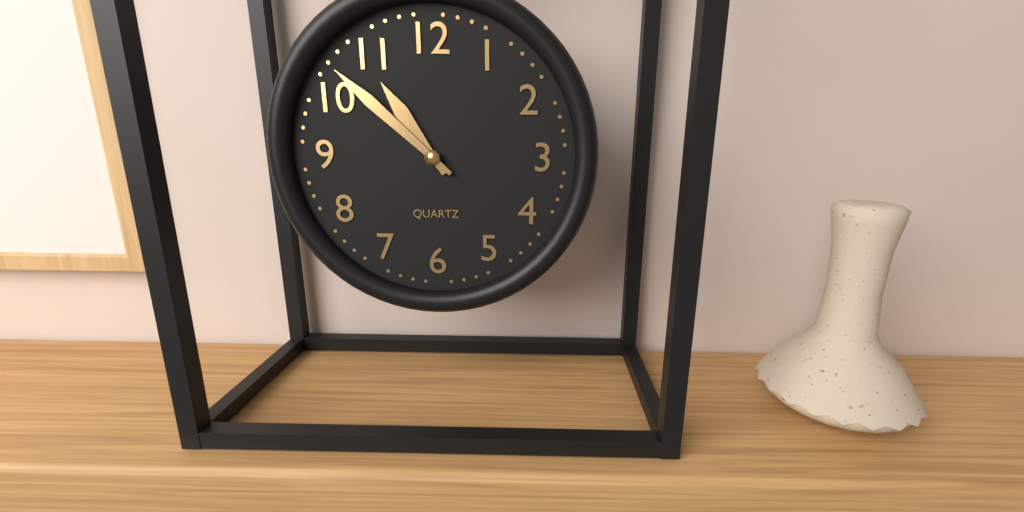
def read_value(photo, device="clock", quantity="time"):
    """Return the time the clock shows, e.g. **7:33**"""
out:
**10:52**
